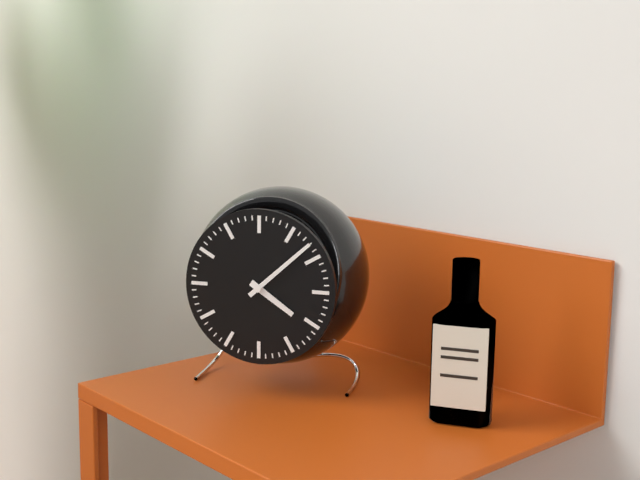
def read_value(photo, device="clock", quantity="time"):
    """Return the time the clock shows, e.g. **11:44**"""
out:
**4:08**
